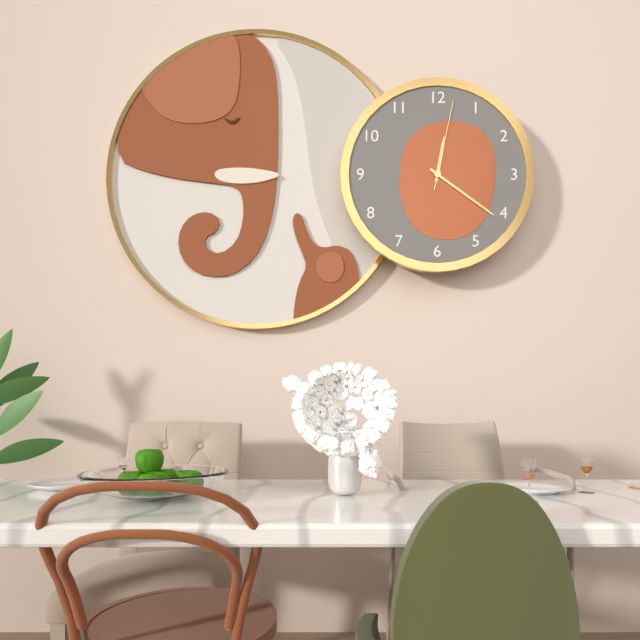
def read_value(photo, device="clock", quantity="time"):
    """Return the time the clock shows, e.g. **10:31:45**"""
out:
**12:21:02**
